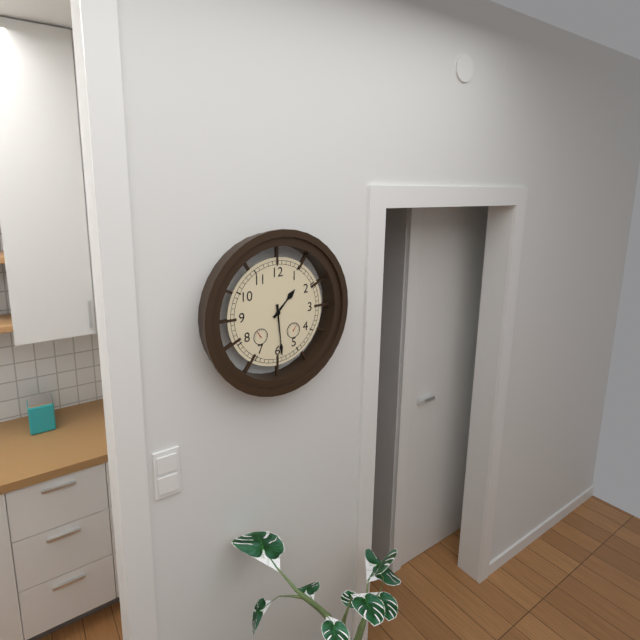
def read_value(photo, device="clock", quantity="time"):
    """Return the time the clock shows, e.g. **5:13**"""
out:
**1:29**
